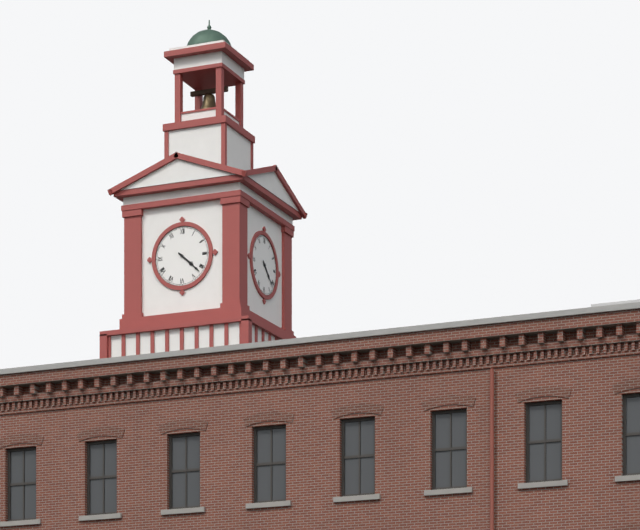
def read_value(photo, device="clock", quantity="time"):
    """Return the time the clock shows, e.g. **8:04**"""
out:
**4:22**
